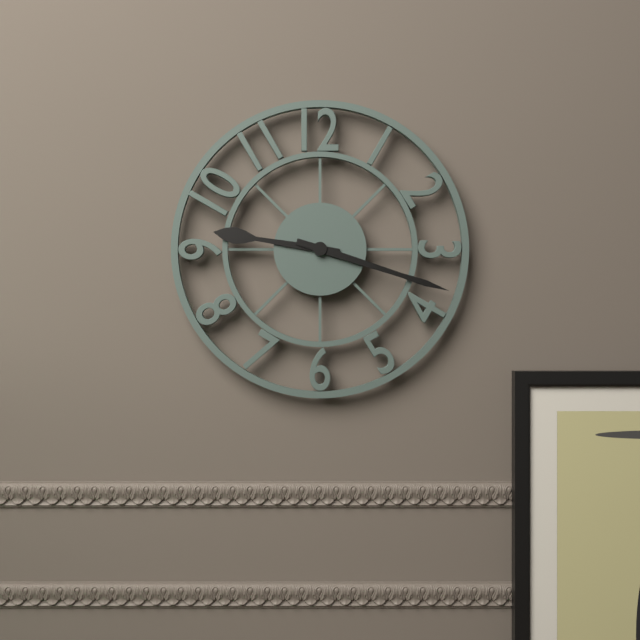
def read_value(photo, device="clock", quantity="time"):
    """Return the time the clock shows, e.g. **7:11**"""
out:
**9:18**
